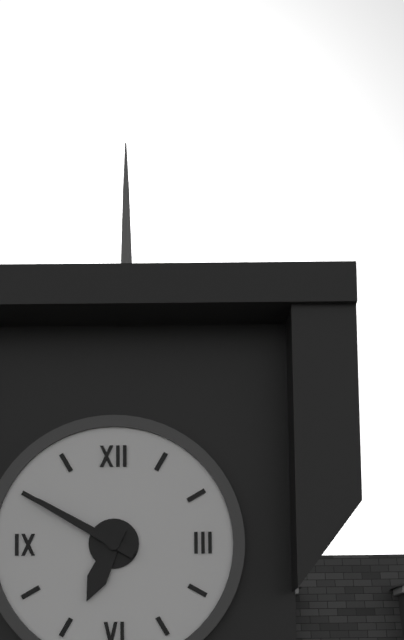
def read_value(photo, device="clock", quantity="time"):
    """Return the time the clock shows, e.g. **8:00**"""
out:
**6:50**
